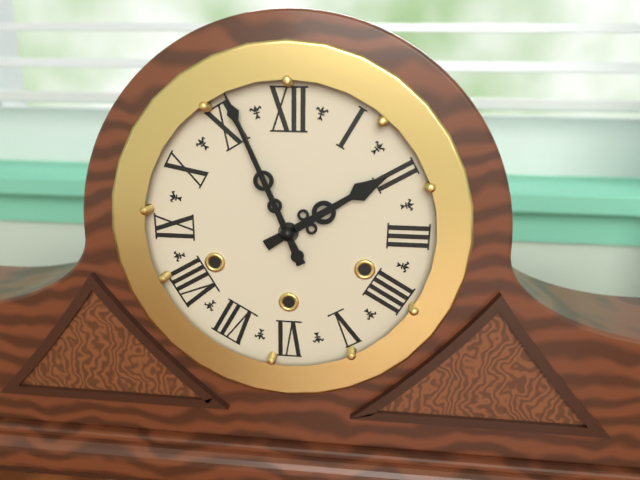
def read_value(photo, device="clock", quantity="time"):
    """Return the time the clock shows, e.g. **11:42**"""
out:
**1:56**
